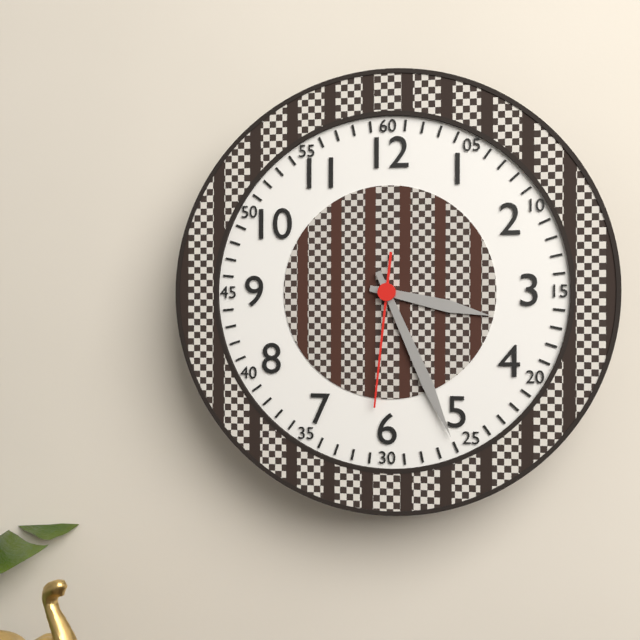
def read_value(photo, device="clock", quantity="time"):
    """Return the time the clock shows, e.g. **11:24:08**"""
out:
**3:26:31**
